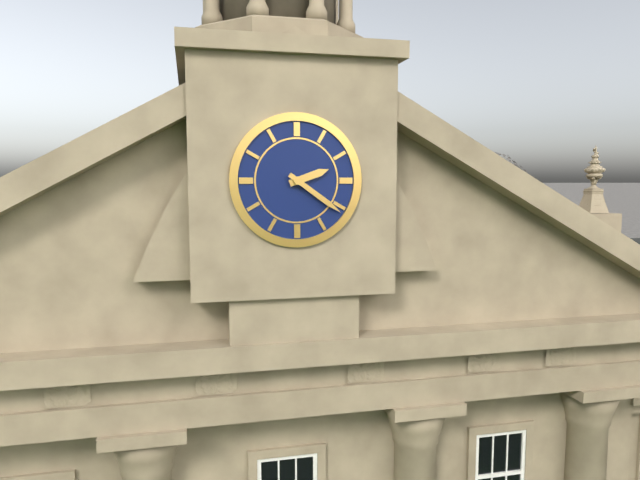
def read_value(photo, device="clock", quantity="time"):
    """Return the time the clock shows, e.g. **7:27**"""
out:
**2:21**
